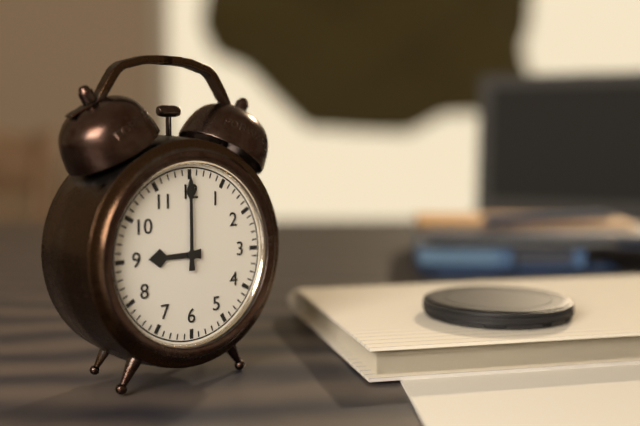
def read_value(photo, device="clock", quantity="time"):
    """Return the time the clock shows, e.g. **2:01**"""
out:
**9:00**
